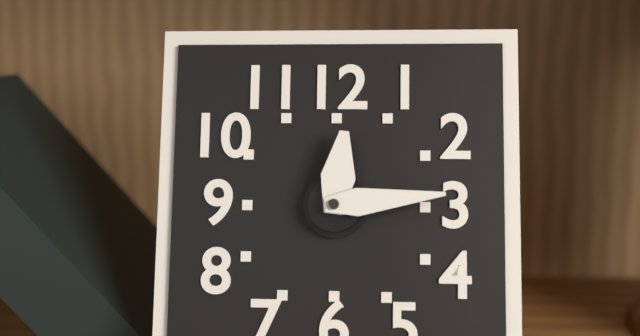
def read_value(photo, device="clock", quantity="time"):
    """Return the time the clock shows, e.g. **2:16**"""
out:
**12:14**
